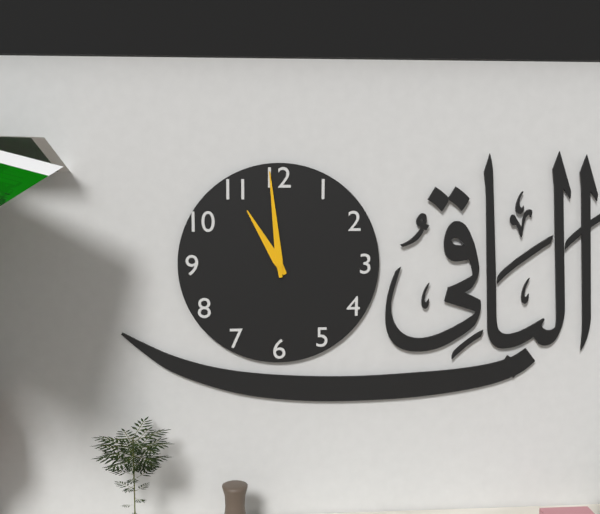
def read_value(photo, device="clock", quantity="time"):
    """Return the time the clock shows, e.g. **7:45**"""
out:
**10:59**
